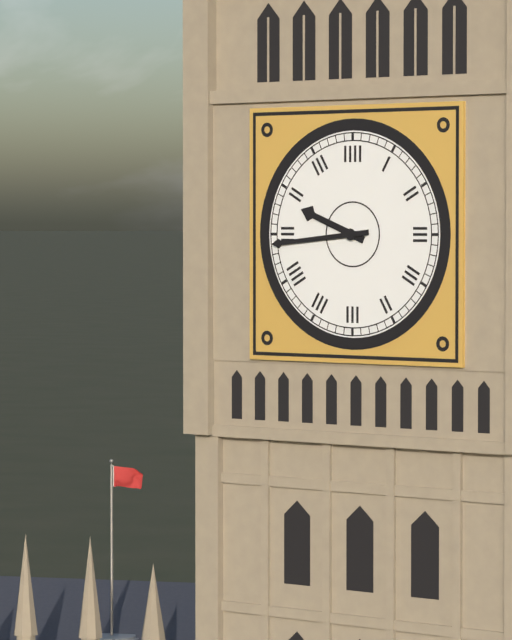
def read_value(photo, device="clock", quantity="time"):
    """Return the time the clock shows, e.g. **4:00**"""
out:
**9:44**
